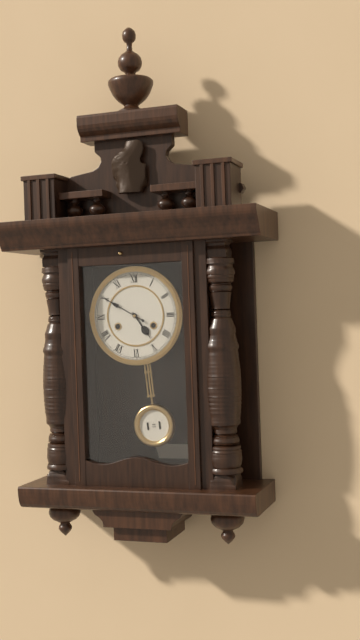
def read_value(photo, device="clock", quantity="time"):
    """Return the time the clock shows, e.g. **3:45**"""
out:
**4:50**
